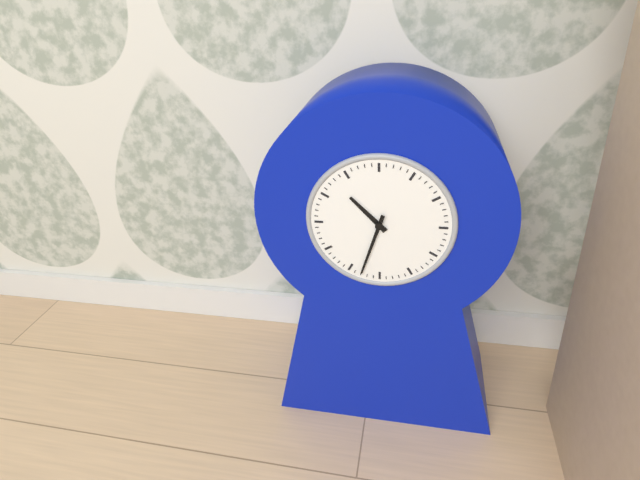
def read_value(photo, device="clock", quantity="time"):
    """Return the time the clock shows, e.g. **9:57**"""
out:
**10:33**
